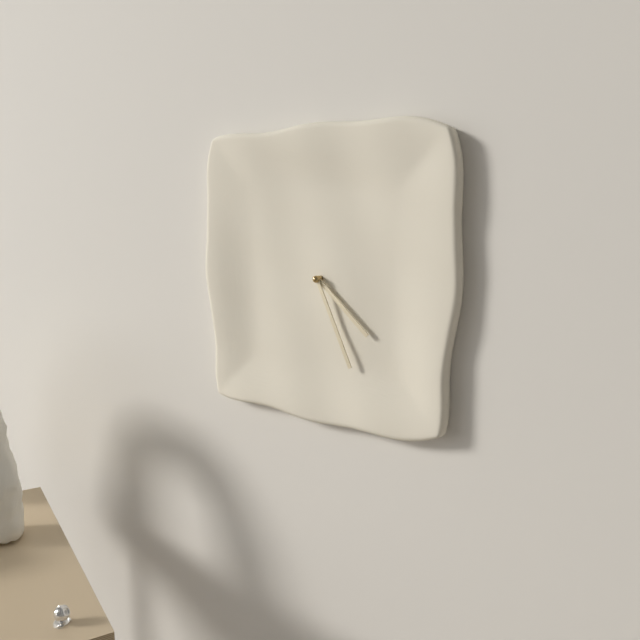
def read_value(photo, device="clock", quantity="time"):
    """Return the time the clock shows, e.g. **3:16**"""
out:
**4:26**
